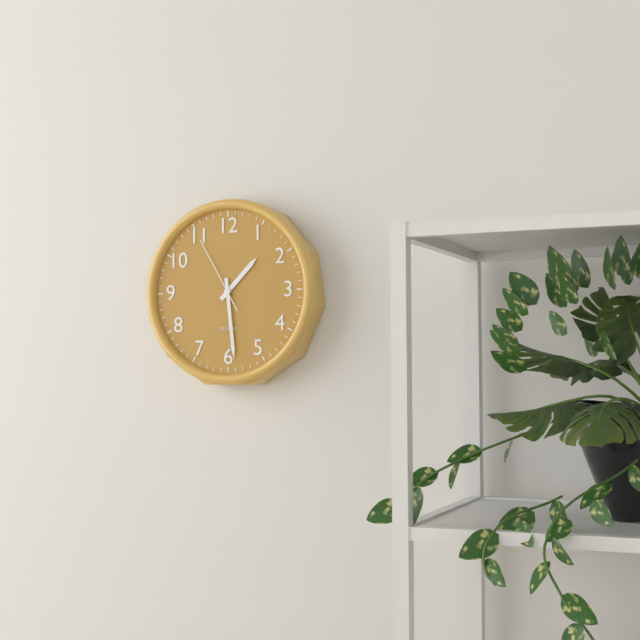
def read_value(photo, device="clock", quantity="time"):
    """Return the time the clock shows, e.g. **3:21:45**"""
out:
**1:29:55**
